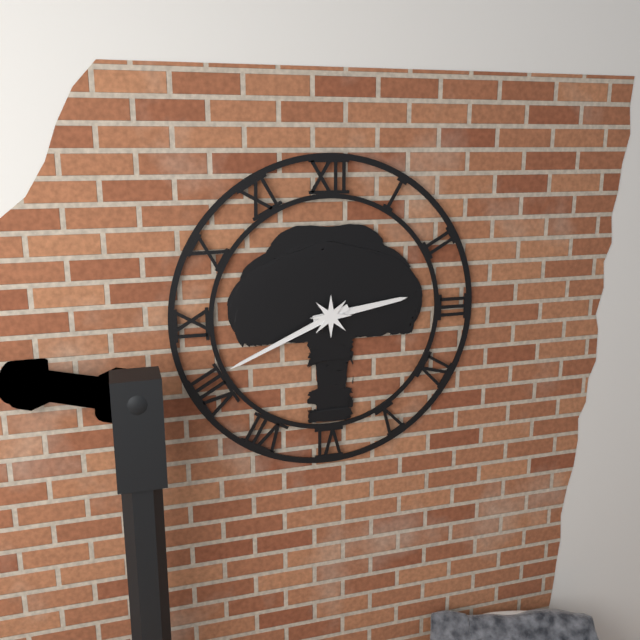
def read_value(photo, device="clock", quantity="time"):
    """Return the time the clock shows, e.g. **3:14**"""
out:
**2:41**
